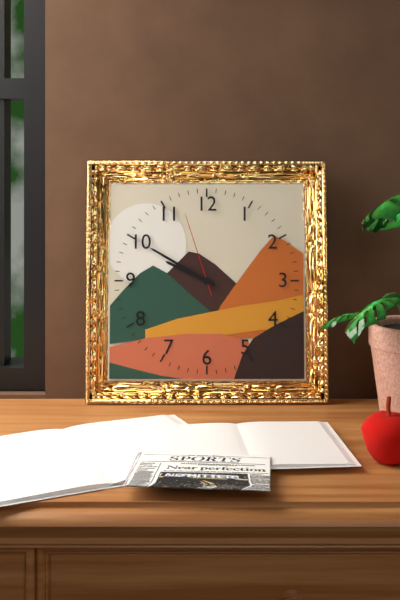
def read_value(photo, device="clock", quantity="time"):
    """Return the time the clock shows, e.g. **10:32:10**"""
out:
**9:50:57**
